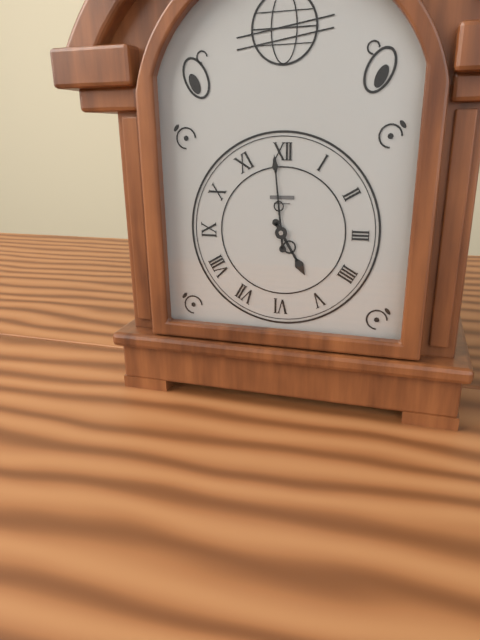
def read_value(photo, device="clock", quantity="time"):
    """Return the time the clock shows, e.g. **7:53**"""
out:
**4:59**
